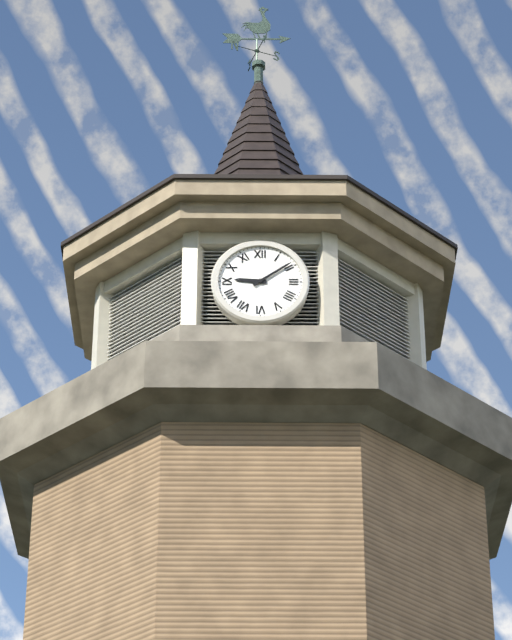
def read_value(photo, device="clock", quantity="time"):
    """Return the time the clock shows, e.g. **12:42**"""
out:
**9:09**
